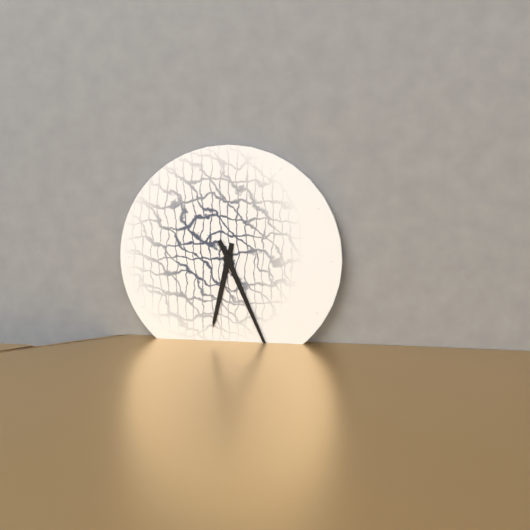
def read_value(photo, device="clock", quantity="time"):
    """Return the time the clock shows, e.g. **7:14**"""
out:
**6:26**
